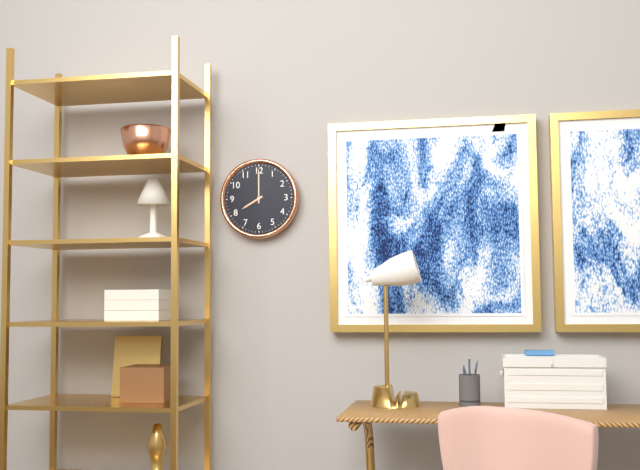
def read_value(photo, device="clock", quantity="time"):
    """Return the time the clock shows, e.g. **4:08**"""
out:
**8:00**
